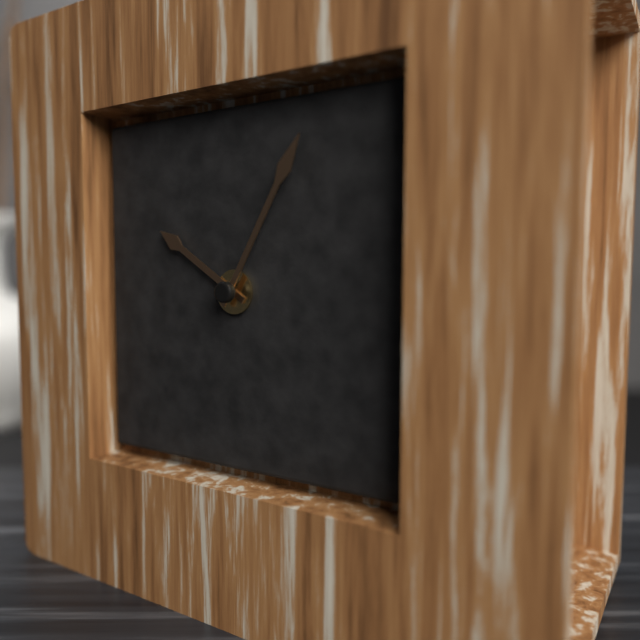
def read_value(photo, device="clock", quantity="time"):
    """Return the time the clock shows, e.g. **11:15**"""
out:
**10:05**
